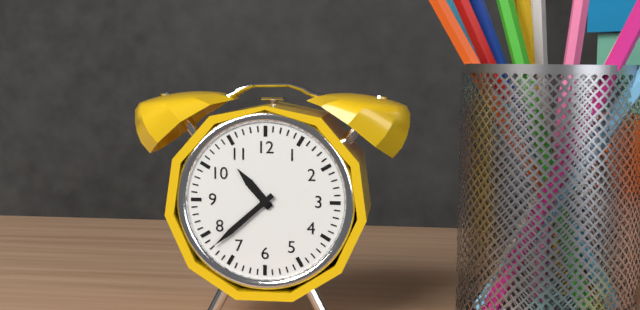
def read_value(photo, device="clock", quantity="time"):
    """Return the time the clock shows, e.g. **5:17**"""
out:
**10:38**
